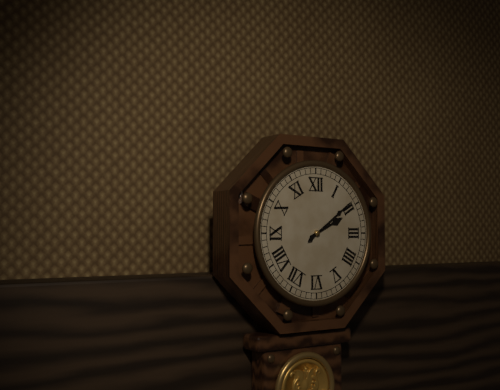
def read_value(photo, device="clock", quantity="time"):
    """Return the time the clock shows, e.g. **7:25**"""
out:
**2:09**
